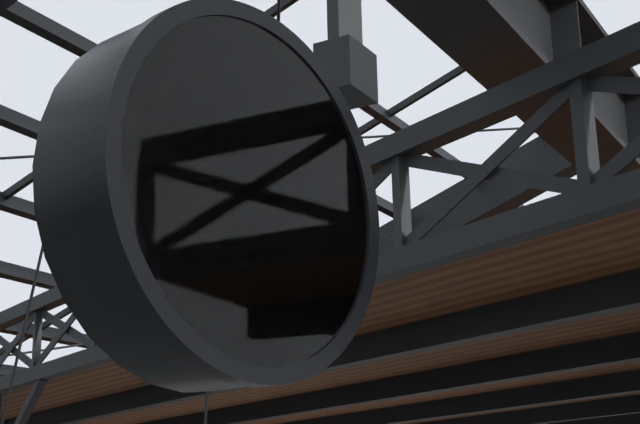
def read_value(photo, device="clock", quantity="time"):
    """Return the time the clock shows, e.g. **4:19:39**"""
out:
**5:52:21**
